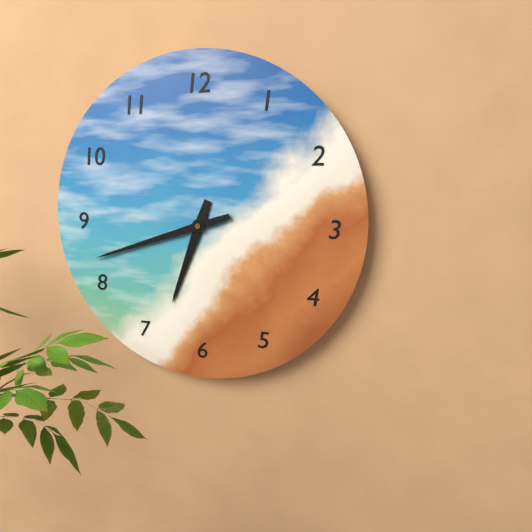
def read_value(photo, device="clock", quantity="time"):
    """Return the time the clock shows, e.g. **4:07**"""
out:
**6:42**
